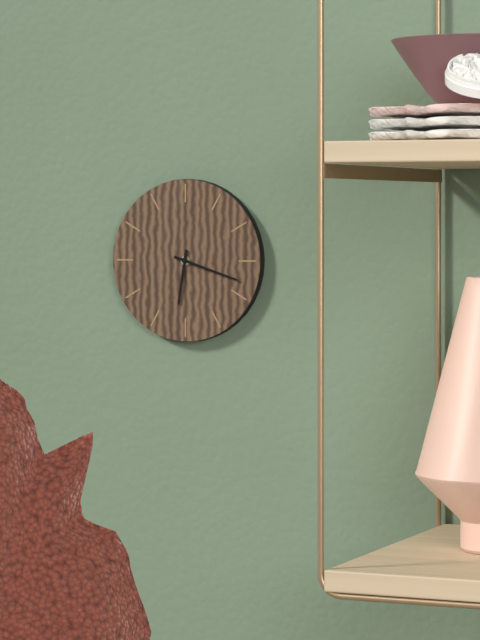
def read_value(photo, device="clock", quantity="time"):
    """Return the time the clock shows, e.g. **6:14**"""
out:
**6:18**
